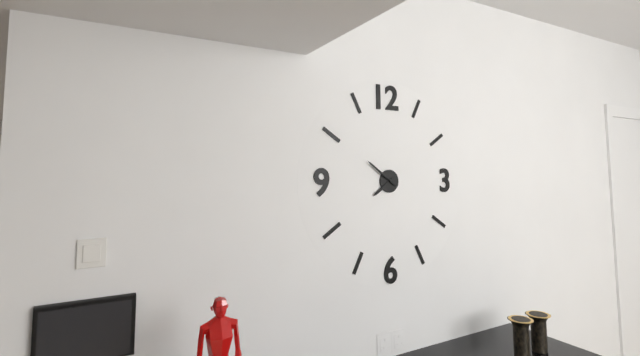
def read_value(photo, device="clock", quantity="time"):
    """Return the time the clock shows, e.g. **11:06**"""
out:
**7:51**
